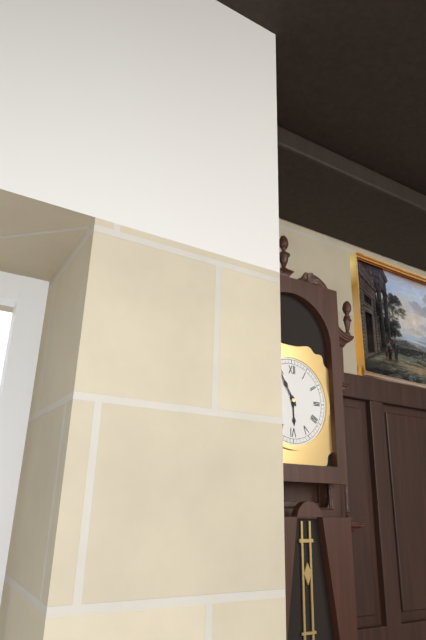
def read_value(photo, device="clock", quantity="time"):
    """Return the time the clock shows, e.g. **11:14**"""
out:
**5:55**
